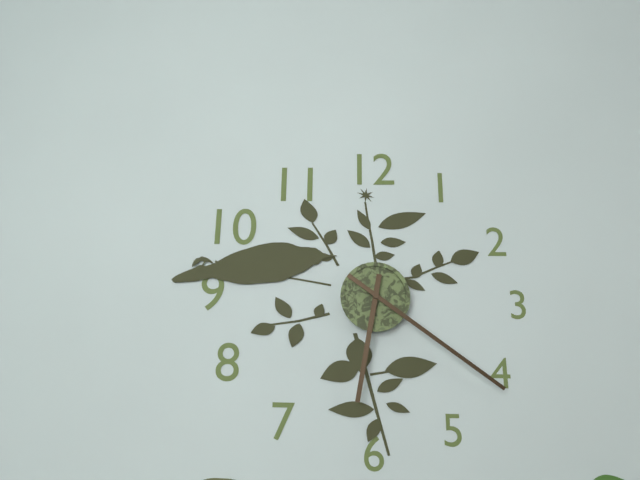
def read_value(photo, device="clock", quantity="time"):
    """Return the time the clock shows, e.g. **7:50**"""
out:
**6:21**
